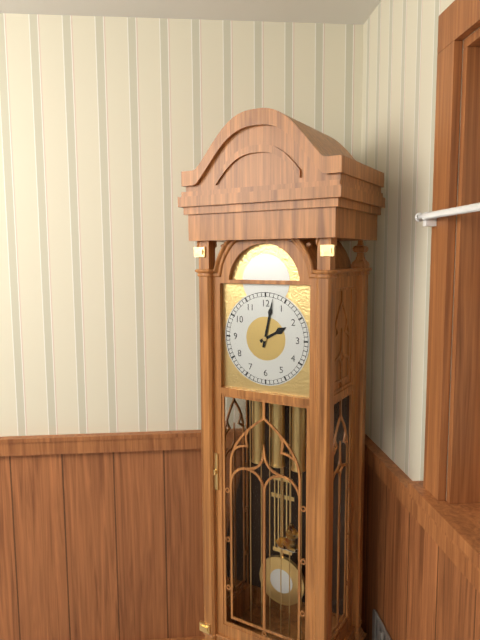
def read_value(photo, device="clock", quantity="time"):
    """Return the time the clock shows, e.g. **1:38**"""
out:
**2:02**
